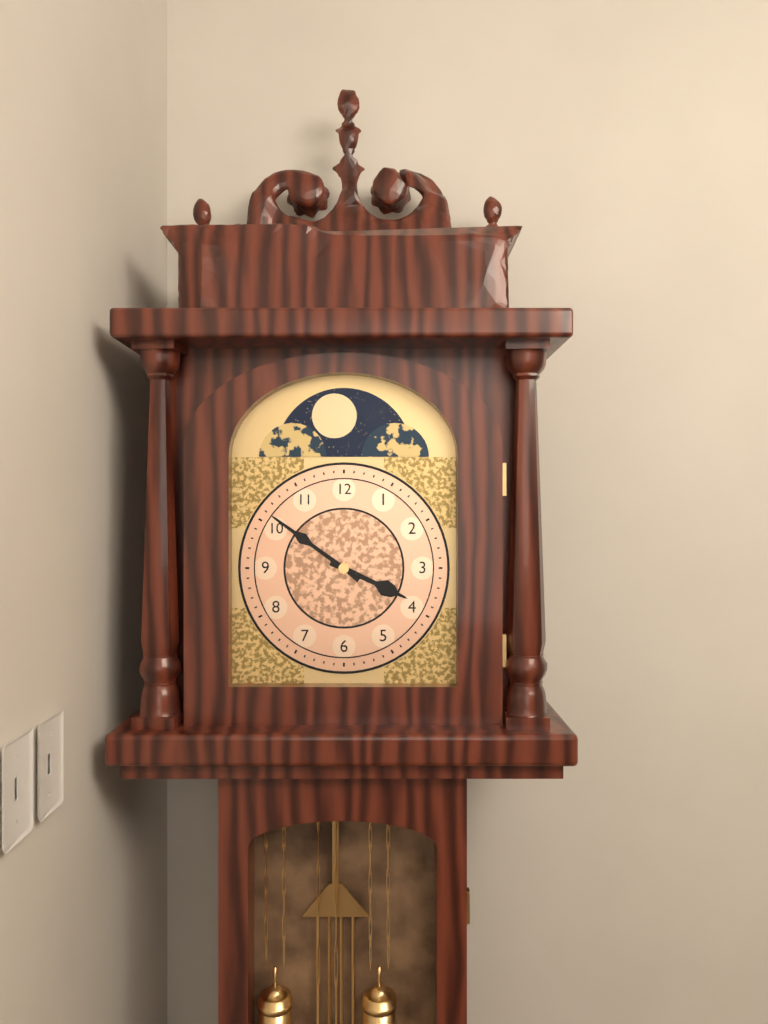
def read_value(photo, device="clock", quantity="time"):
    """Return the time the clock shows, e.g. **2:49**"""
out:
**3:51**
